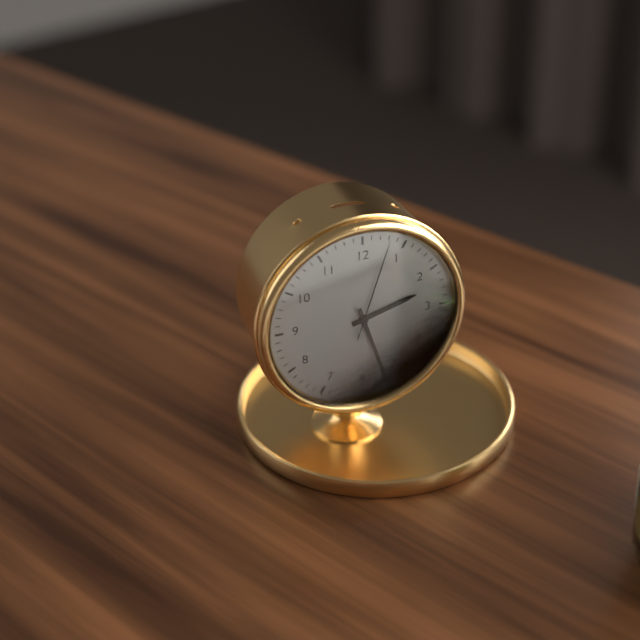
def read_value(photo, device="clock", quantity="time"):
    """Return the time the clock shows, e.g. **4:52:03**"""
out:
**2:27:03**
